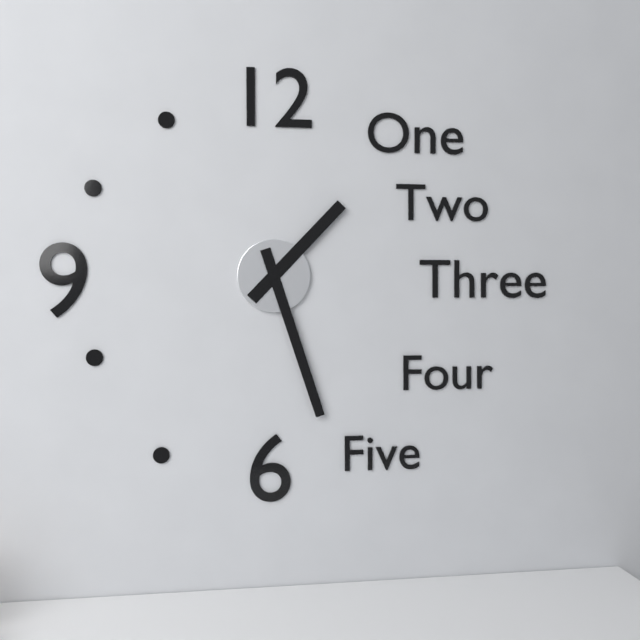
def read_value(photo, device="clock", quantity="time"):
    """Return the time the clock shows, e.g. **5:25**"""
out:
**1:27**
